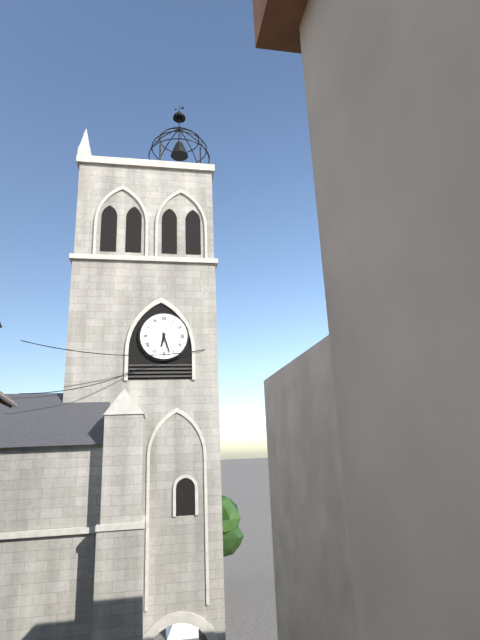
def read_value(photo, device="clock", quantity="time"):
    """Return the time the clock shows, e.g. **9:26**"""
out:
**6:27**
